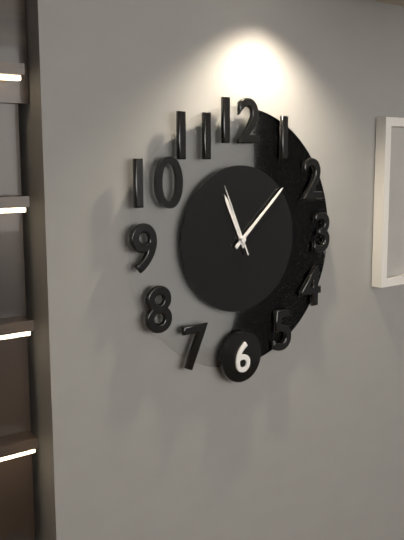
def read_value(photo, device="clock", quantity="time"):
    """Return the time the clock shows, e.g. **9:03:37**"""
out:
**11:08:56**
